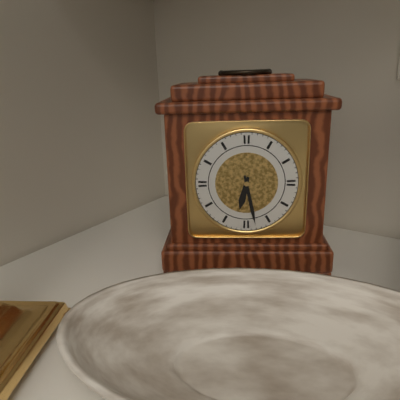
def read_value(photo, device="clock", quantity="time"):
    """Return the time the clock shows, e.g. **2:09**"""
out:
**6:28**
